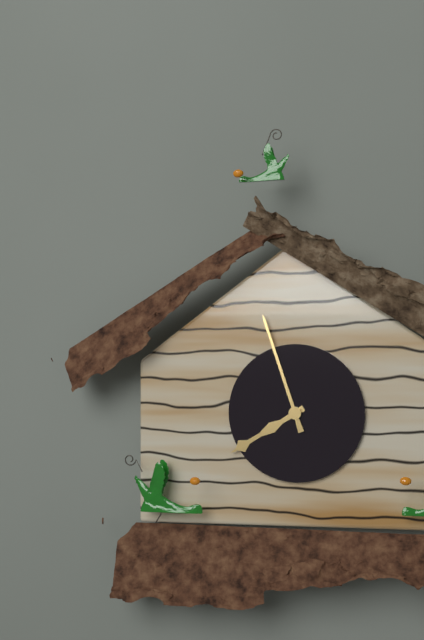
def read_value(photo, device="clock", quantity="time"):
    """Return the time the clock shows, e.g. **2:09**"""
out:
**7:57**
